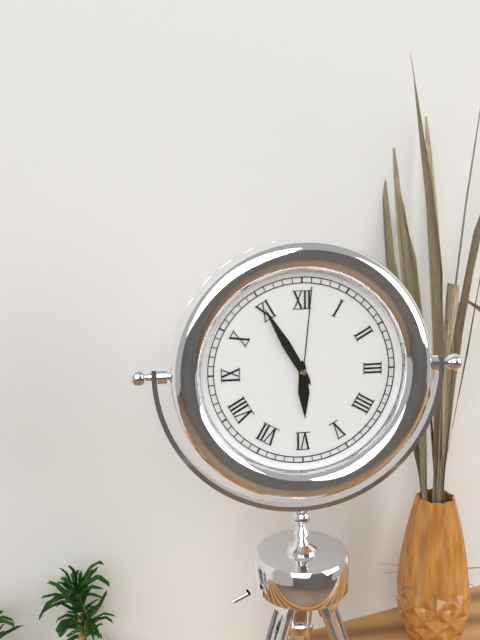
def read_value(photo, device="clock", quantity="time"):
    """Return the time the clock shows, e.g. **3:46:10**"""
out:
**5:55:01**
